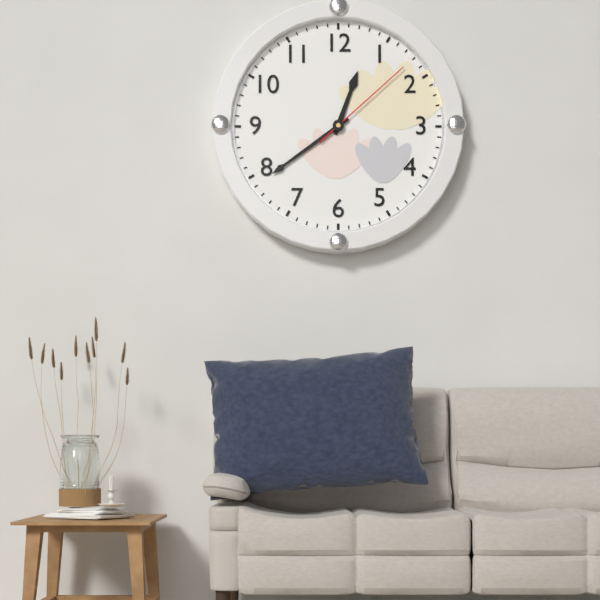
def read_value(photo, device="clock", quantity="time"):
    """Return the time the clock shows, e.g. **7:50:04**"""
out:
**12:39:08**
